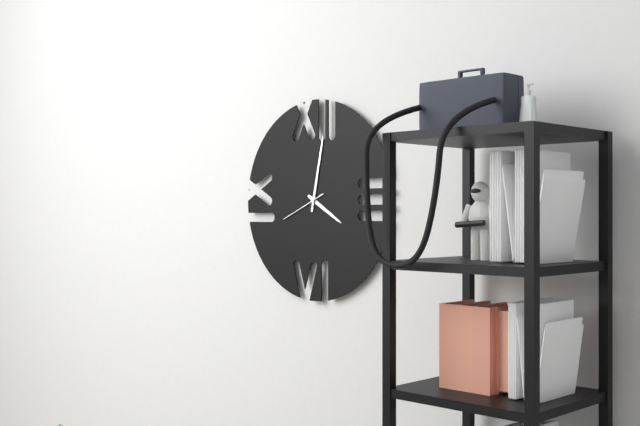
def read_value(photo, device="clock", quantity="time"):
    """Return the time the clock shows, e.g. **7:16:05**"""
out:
**4:02:41**
